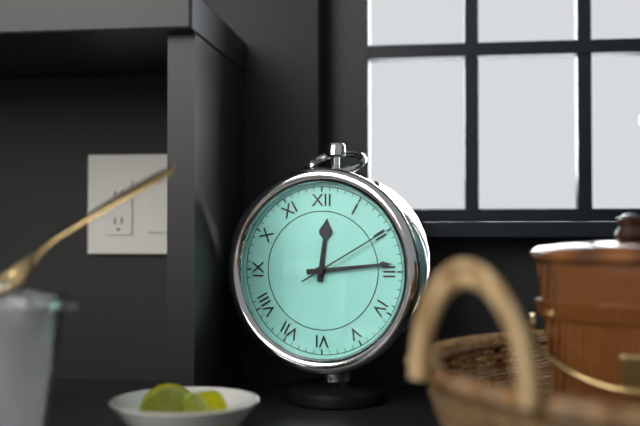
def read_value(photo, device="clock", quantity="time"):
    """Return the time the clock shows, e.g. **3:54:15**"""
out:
**12:14:10**
